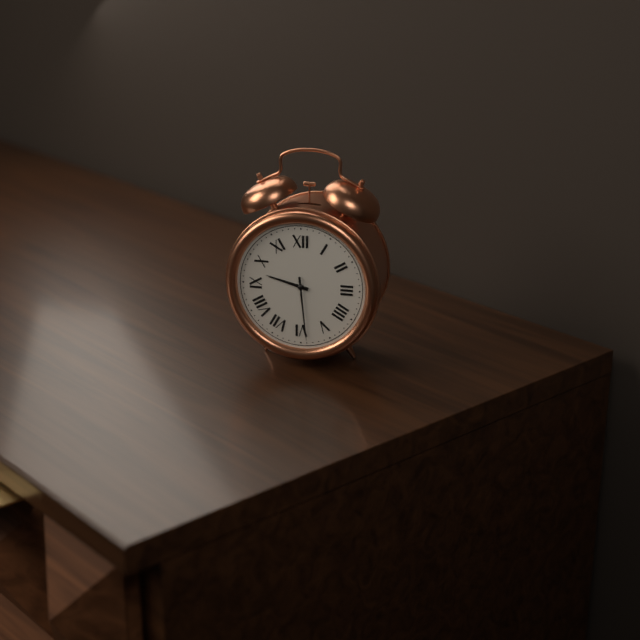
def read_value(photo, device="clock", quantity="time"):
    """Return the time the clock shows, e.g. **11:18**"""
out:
**9:29**
